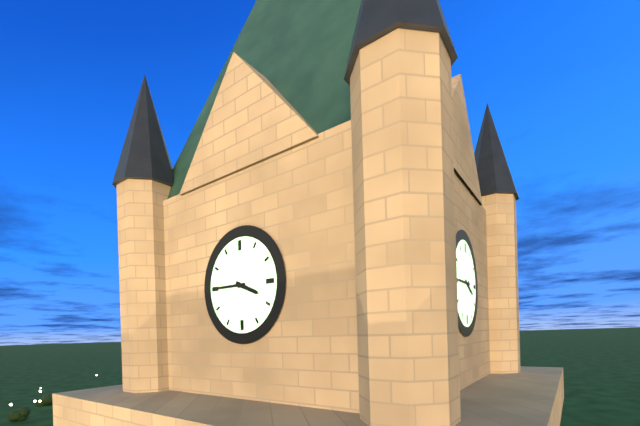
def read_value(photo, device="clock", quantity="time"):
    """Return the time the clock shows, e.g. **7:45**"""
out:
**3:45**
